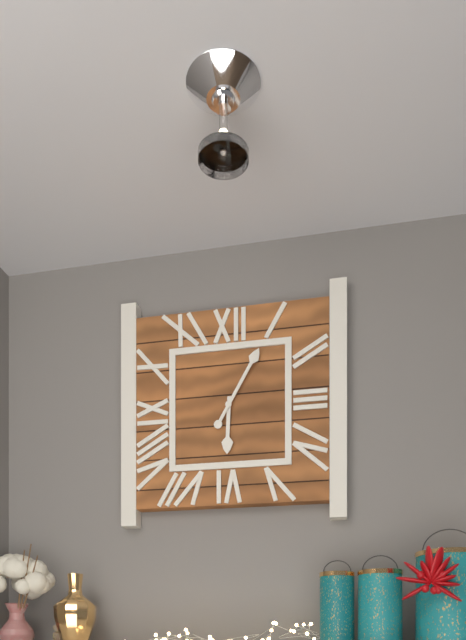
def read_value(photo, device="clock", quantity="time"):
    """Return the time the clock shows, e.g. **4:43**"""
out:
**6:05**
